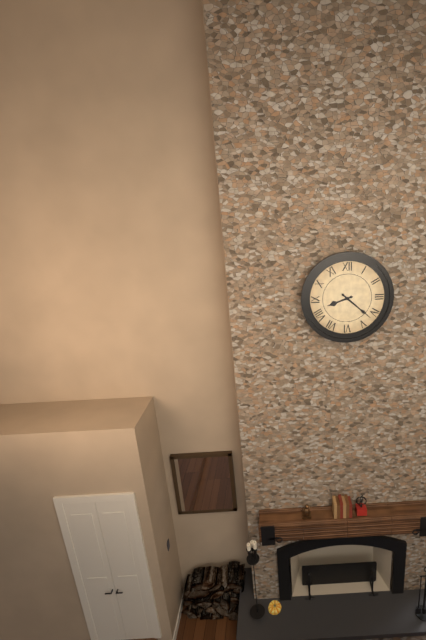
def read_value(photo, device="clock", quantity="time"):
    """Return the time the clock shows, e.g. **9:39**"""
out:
**8:22**
